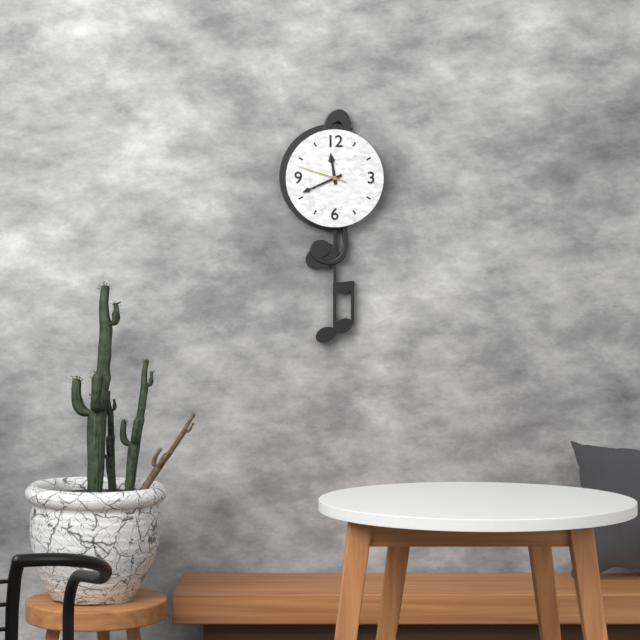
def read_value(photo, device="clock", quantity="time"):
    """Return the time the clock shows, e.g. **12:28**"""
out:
**11:41**
